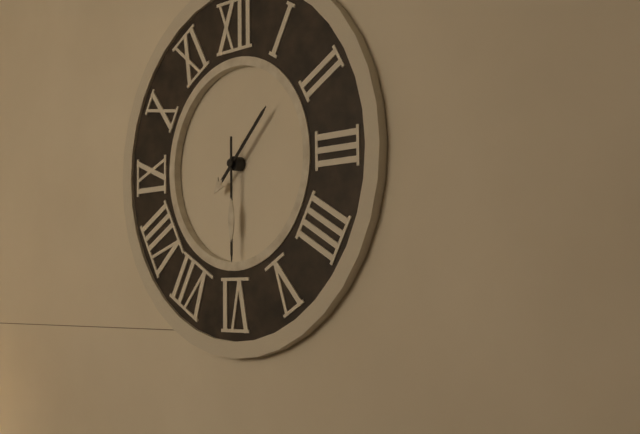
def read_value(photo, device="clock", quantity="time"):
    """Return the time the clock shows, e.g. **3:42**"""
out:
**1:30**
